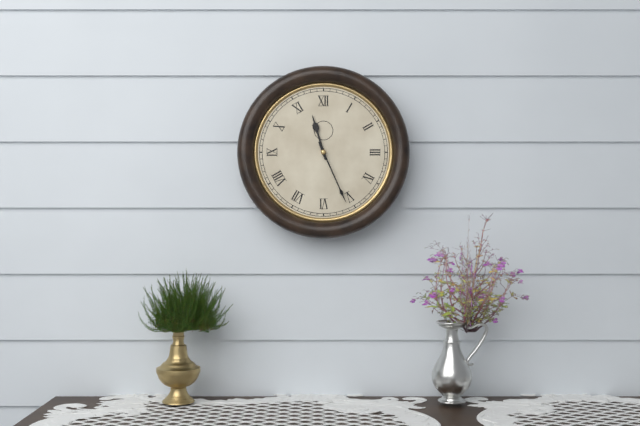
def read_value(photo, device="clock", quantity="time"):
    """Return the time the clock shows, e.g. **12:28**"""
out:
**11:26**
